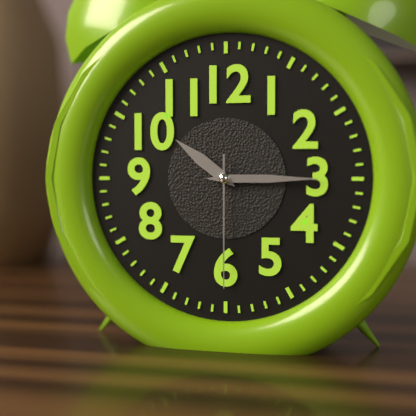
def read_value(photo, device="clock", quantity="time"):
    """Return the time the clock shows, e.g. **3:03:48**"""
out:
**10:15:30**
